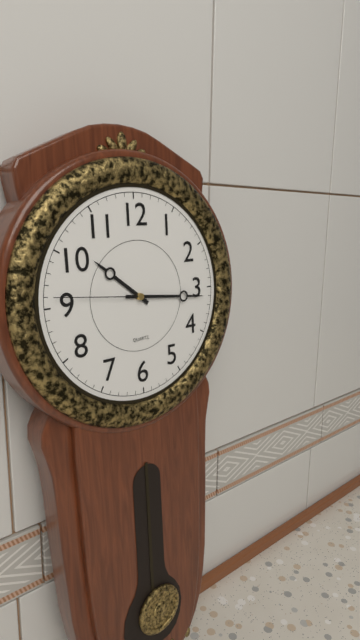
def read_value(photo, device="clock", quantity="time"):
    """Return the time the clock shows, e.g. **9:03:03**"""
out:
**10:16:46**
